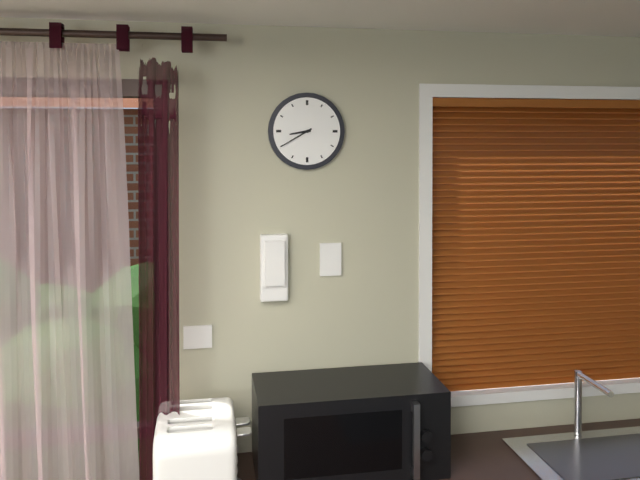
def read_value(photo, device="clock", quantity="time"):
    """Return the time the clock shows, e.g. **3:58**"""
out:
**8:40**
